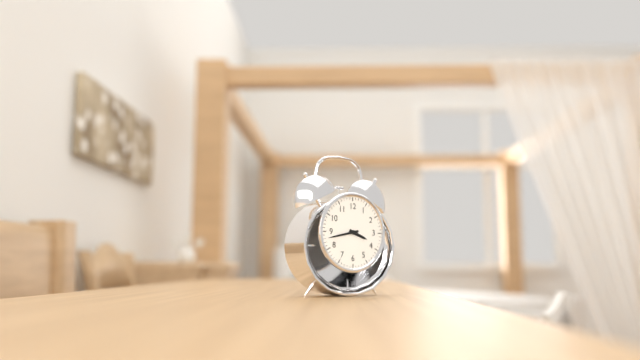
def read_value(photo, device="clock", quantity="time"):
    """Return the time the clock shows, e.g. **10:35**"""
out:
**3:43**
